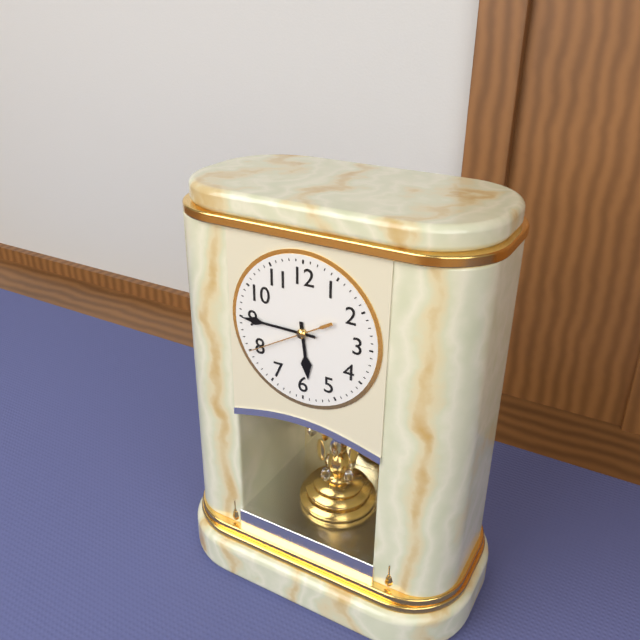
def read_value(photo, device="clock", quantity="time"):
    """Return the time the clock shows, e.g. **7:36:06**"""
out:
**5:45:40**
